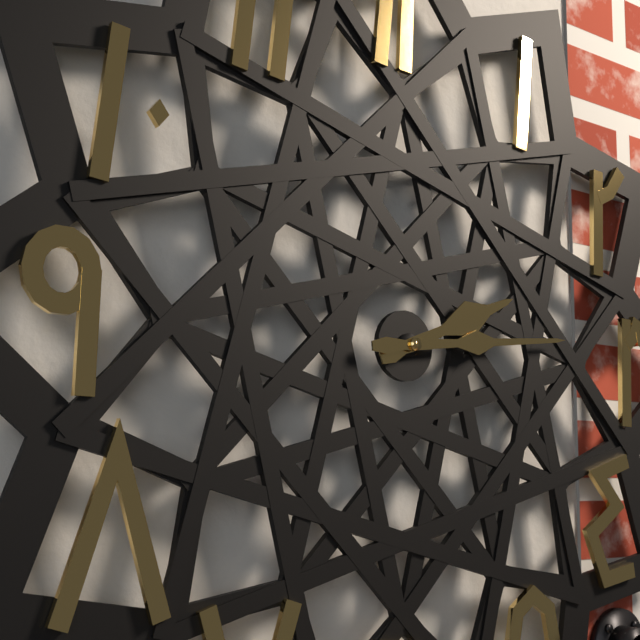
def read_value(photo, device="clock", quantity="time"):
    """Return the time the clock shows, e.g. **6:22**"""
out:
**2:14**
